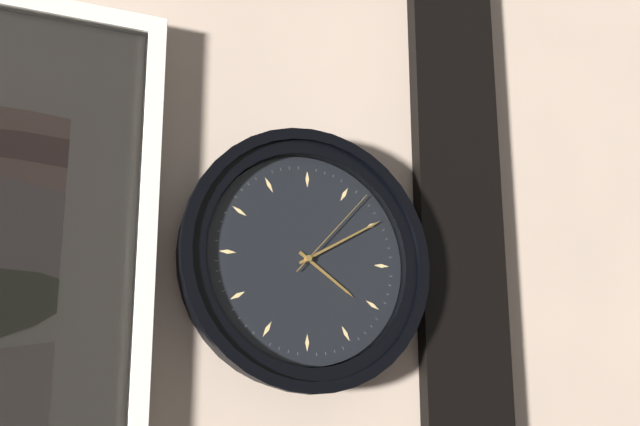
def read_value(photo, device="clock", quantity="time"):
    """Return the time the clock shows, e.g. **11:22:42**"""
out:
**4:10:07**
